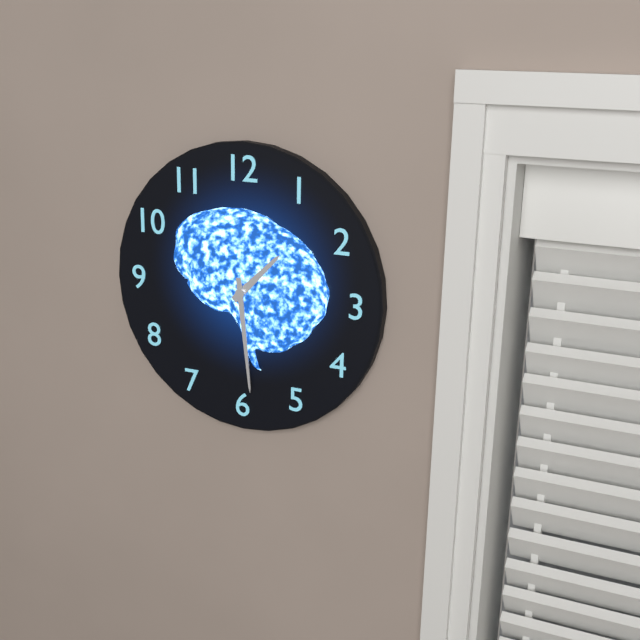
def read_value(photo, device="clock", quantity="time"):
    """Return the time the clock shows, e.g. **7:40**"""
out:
**1:29**
